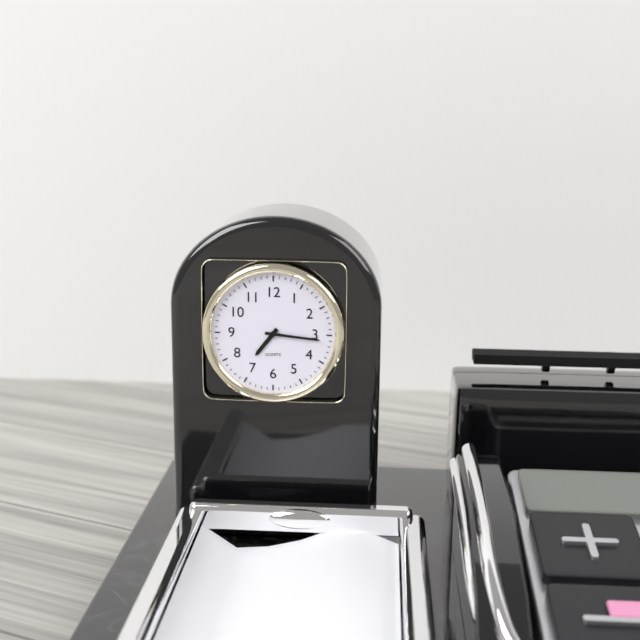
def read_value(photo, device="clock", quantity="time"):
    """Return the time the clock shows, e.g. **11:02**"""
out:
**7:16**
